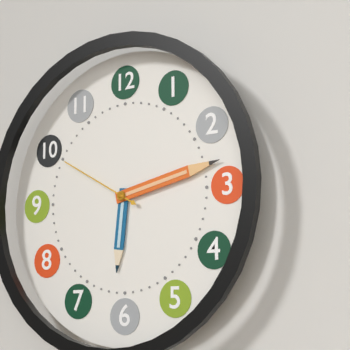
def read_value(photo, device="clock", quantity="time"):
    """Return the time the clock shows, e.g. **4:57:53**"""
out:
**6:13:50**
